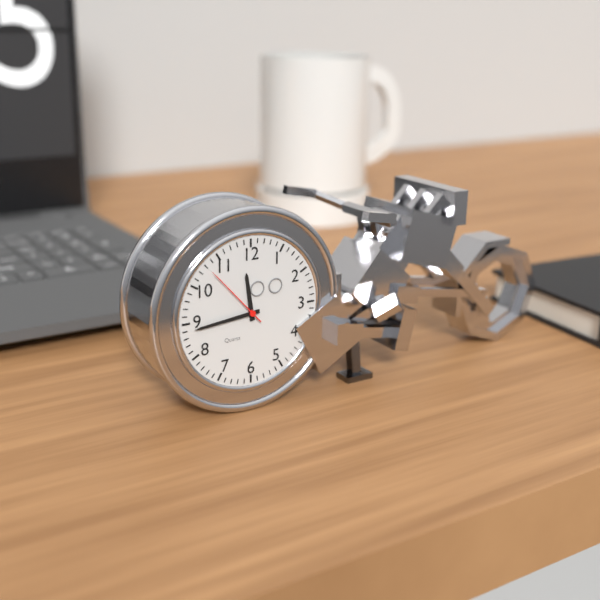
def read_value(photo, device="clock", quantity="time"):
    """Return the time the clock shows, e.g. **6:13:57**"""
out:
**11:44:53**
